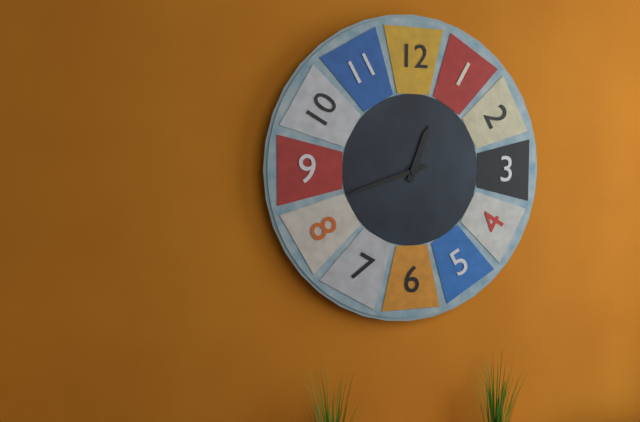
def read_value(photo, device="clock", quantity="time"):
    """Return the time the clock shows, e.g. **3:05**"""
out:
**12:42**
